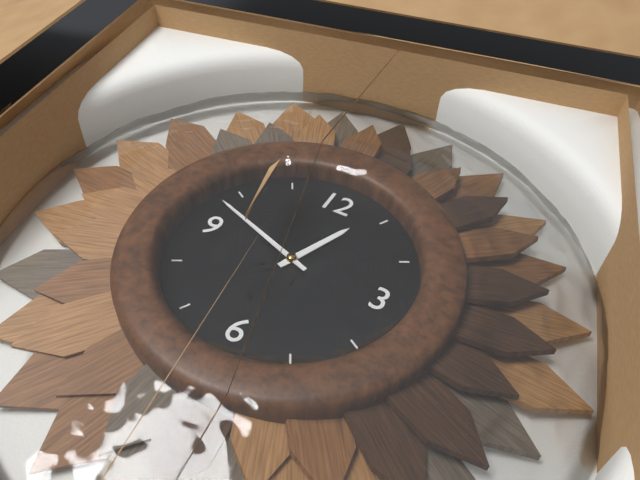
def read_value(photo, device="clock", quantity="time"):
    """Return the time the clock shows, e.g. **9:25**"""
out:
**12:48**
